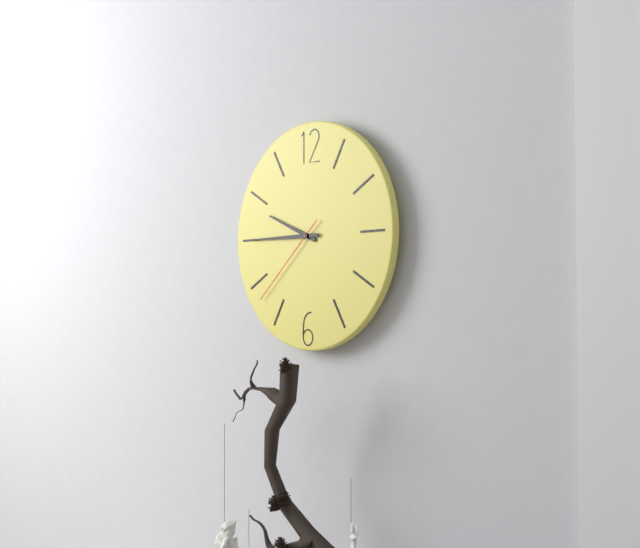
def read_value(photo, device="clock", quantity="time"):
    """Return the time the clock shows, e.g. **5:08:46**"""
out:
**9:45:38**
